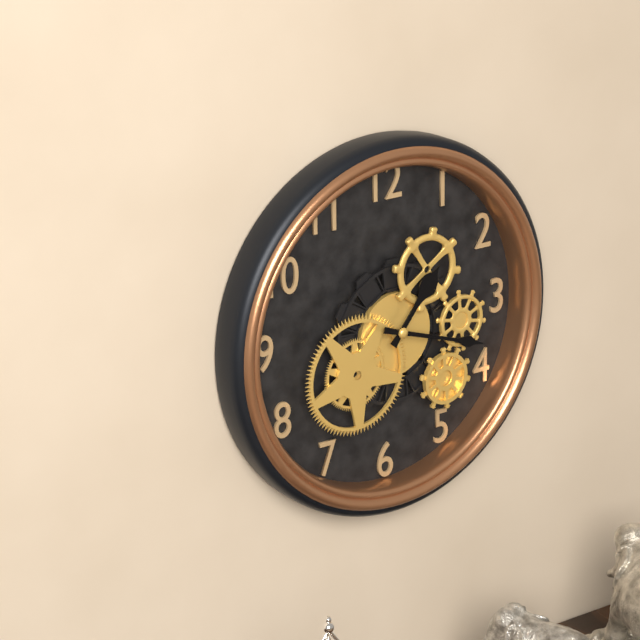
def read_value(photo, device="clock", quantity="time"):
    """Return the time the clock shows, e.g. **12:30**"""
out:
**1:18**
